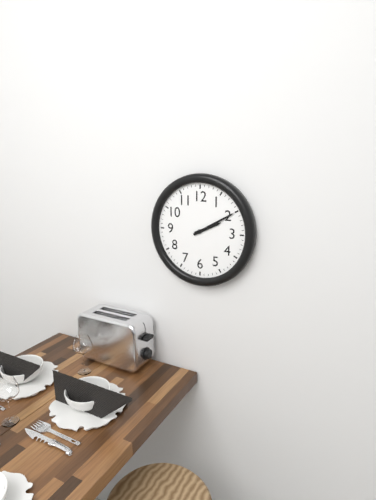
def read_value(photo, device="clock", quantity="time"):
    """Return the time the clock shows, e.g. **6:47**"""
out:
**2:10**
